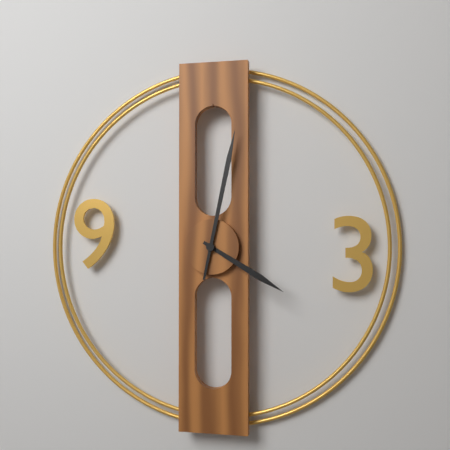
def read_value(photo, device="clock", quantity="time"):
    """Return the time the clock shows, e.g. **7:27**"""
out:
**4:02**
